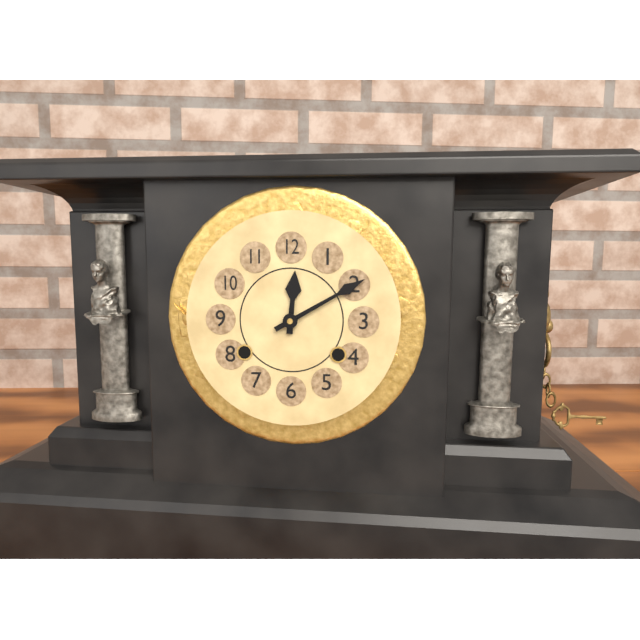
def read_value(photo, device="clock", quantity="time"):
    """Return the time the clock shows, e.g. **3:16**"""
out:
**12:10**
